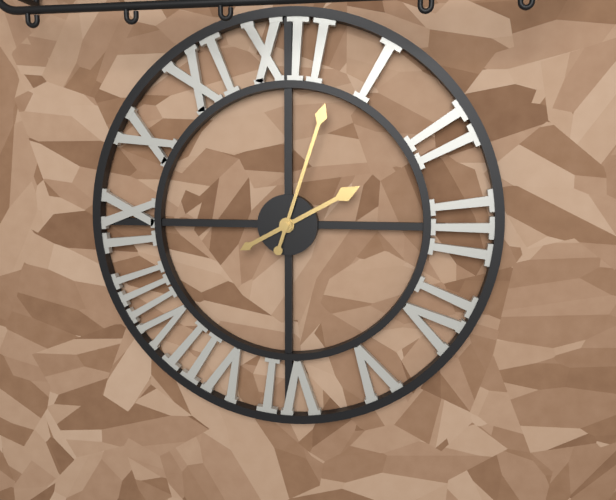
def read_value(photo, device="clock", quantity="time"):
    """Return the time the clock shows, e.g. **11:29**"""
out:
**2:03**
